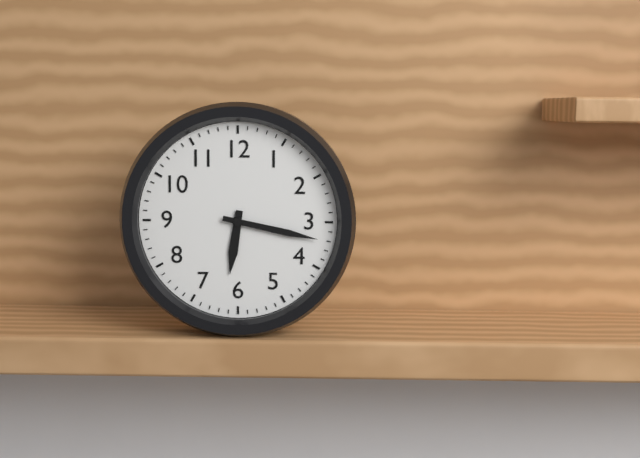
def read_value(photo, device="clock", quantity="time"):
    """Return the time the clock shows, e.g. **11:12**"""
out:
**6:17**
